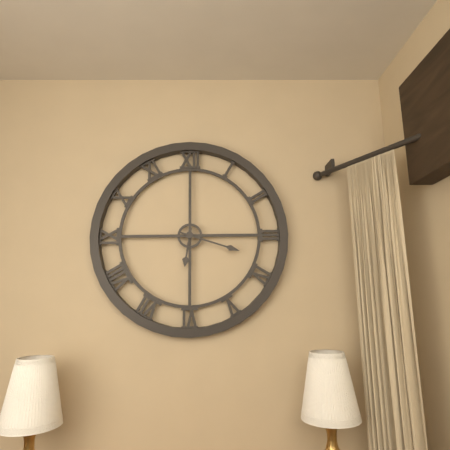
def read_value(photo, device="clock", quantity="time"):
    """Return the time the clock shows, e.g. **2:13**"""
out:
**6:18**
